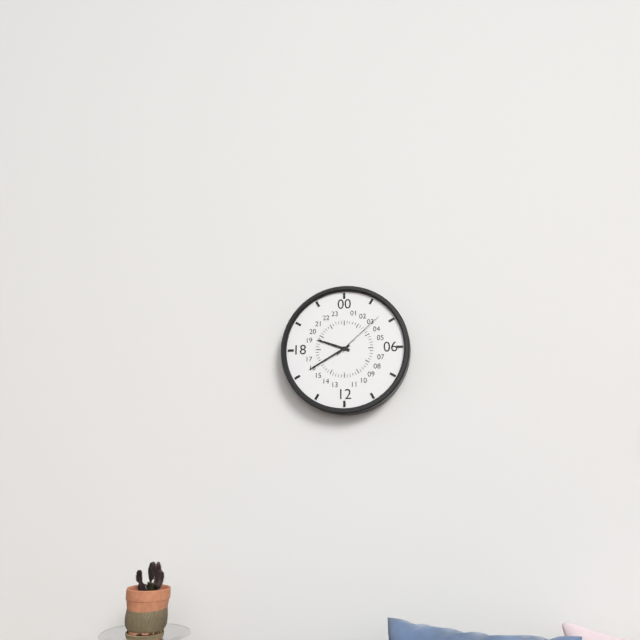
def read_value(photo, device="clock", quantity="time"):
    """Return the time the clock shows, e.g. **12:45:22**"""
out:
**9:40:08**
